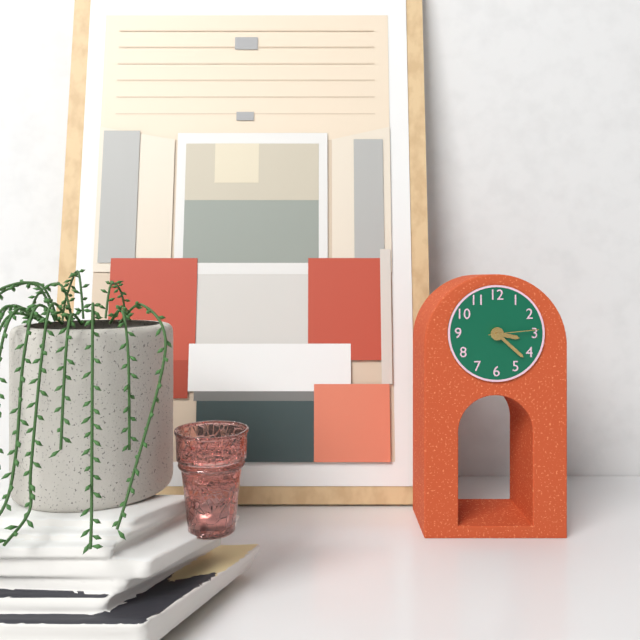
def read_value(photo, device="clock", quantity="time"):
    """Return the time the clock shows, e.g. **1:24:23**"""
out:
**3:22:14**
